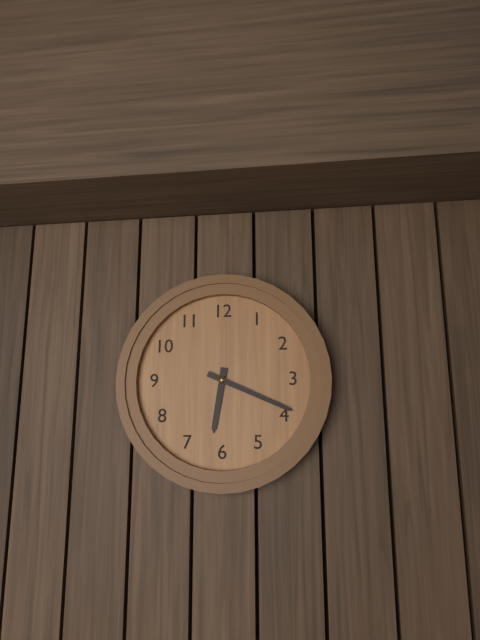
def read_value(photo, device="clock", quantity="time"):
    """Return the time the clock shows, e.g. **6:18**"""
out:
**6:19**
